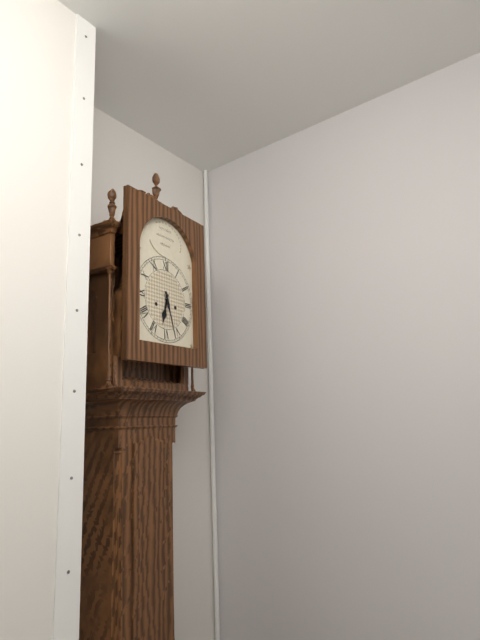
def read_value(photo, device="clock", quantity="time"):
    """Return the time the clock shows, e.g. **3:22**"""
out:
**6:27**
